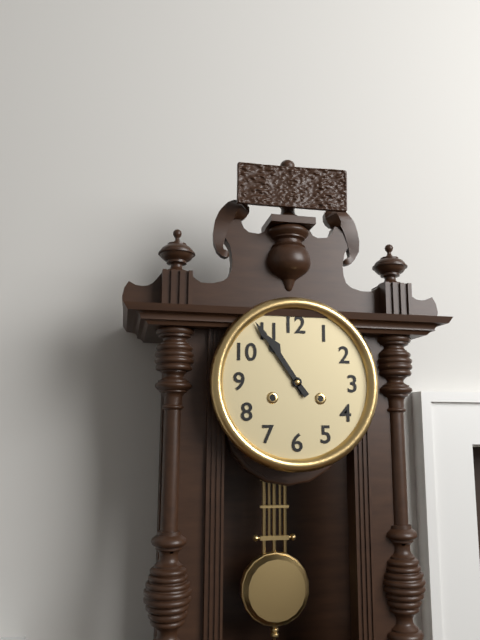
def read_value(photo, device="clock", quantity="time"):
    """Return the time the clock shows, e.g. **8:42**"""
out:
**10:54**
